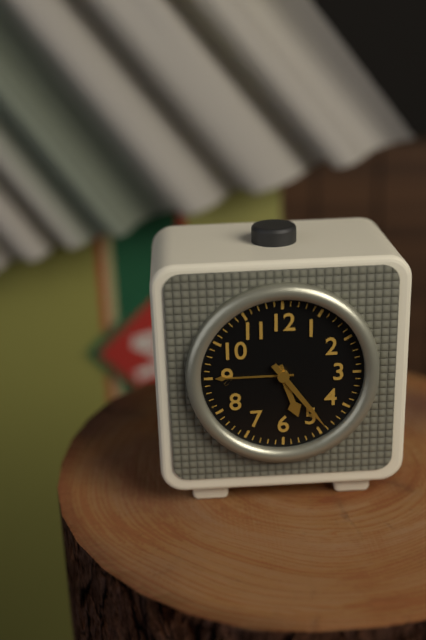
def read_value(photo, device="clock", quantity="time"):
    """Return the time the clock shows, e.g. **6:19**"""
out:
**5:24**
